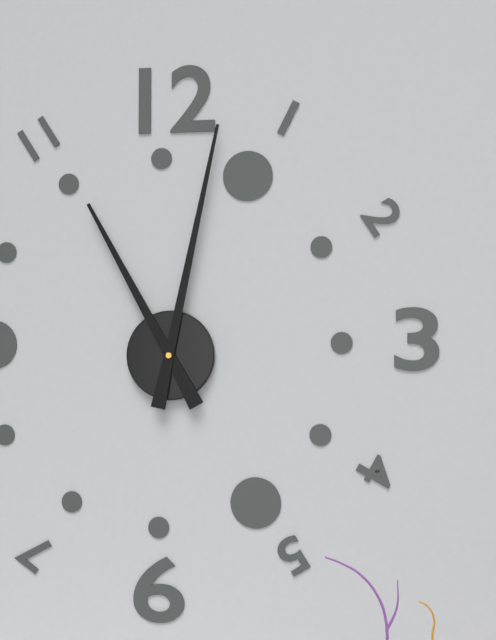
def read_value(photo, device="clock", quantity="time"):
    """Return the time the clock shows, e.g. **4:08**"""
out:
**11:02**
